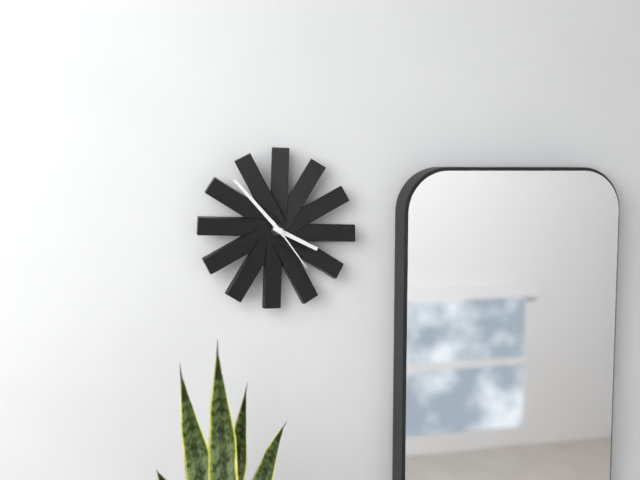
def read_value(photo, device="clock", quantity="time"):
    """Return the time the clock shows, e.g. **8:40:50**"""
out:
**3:53:24**
